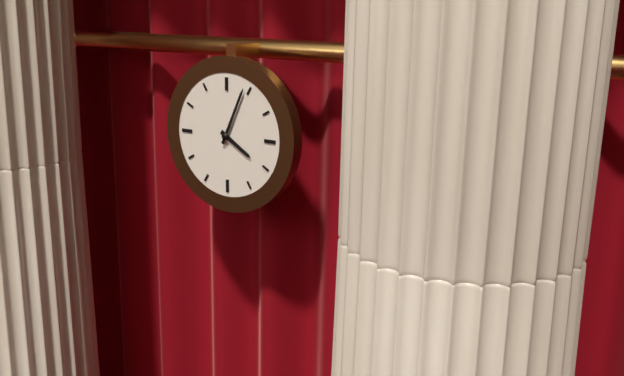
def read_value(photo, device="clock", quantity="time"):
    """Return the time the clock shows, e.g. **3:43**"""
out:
**4:04**
